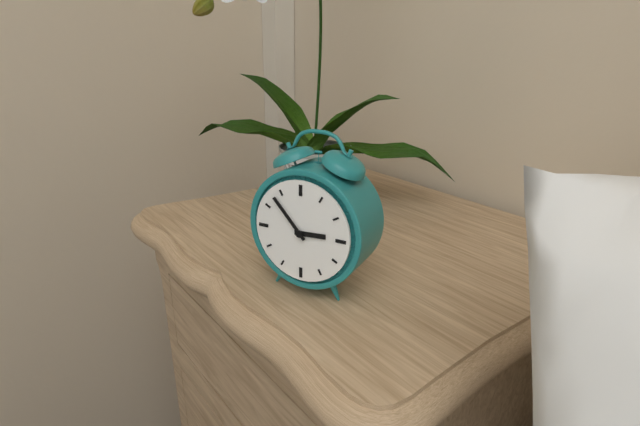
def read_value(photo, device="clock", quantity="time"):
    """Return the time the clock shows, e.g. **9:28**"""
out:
**2:53**
